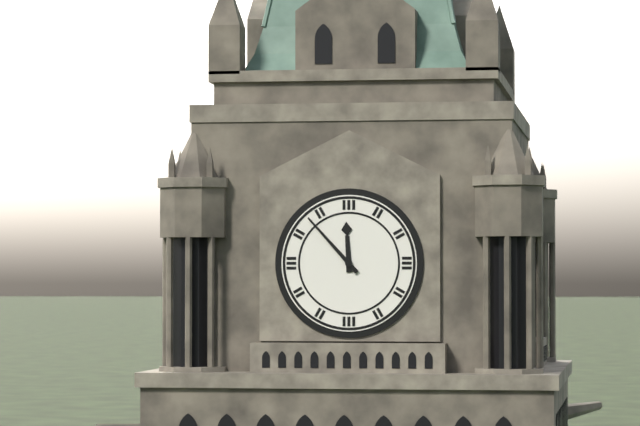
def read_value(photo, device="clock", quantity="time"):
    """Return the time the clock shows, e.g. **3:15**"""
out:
**11:53**
